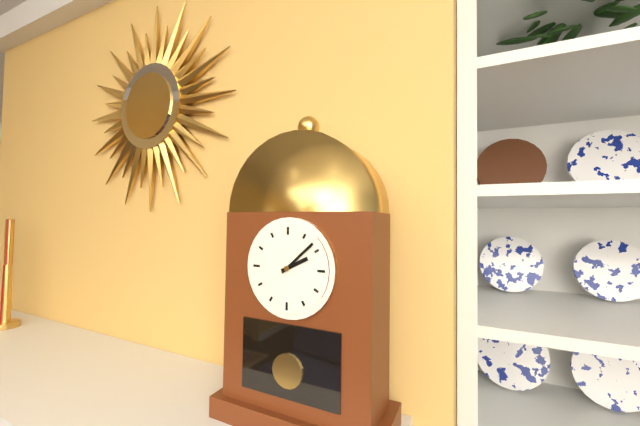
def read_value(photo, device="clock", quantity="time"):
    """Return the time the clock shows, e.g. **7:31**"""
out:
**2:08**
